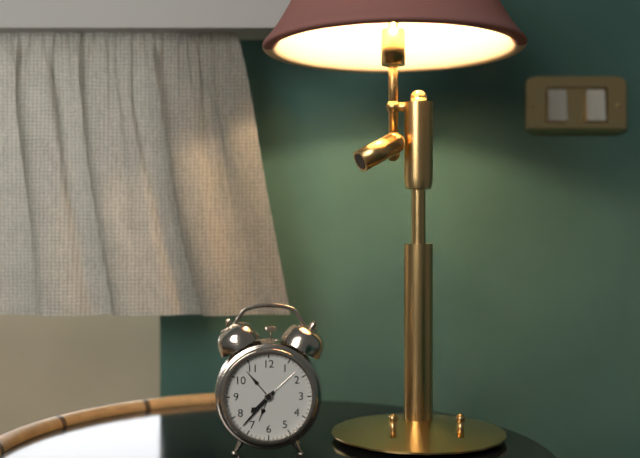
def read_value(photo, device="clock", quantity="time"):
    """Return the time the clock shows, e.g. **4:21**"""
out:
**7:37**
